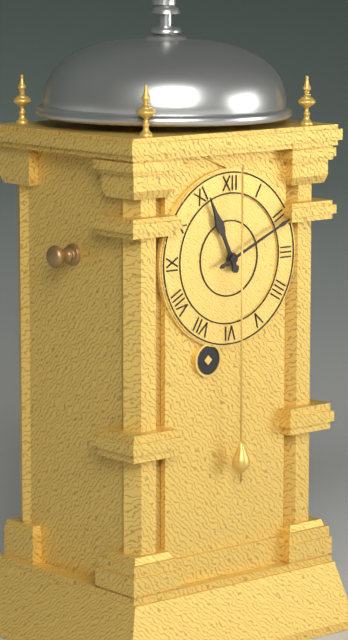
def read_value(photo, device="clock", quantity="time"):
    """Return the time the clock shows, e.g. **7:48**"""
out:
**11:11**
